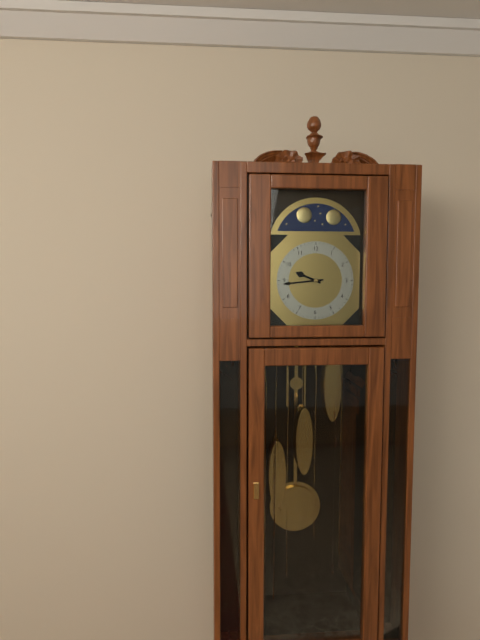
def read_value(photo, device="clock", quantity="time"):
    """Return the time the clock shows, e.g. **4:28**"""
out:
**9:44**
